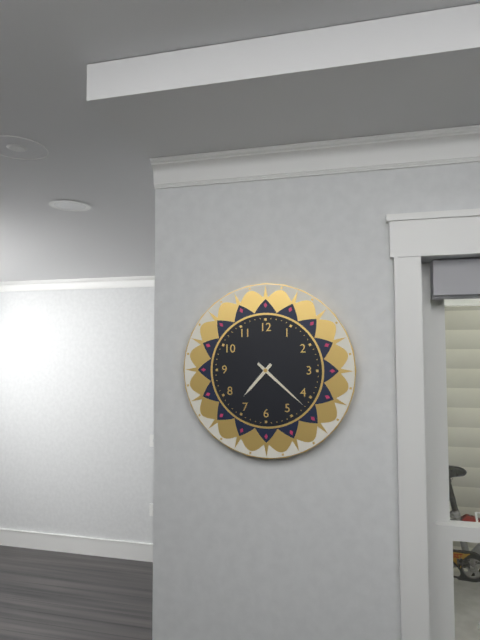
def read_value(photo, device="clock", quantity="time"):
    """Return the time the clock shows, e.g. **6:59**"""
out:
**7:22**
